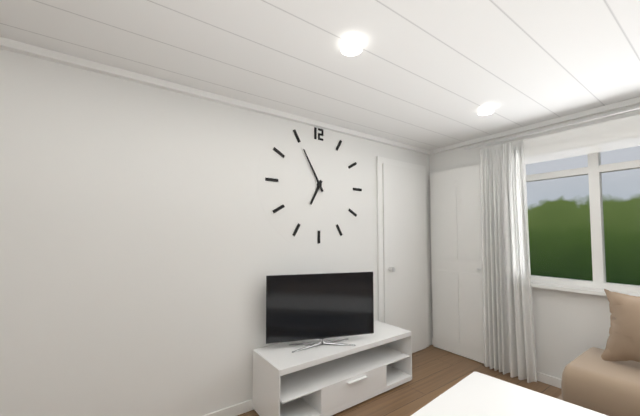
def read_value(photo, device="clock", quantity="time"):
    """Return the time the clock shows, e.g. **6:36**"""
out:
**6:55**
